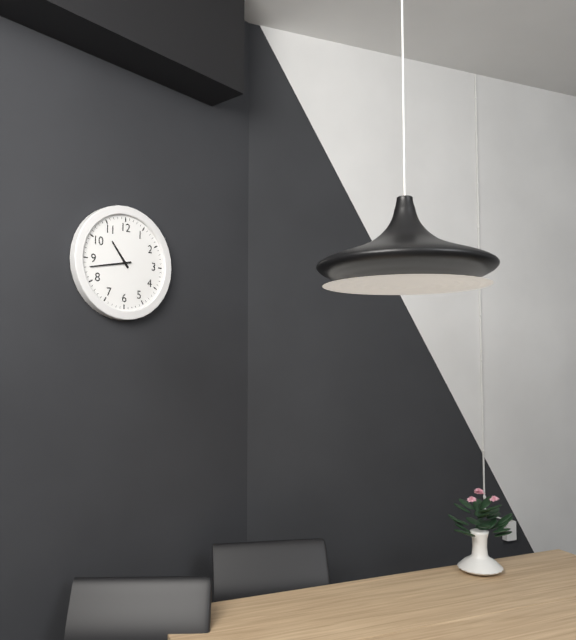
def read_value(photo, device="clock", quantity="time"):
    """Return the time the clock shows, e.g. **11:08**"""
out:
**10:43**
